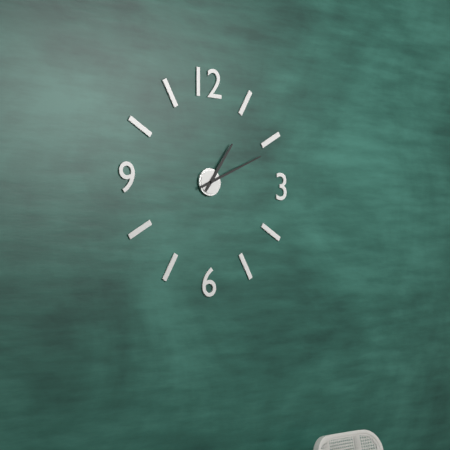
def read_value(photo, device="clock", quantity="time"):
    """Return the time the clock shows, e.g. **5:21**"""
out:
**1:11**
